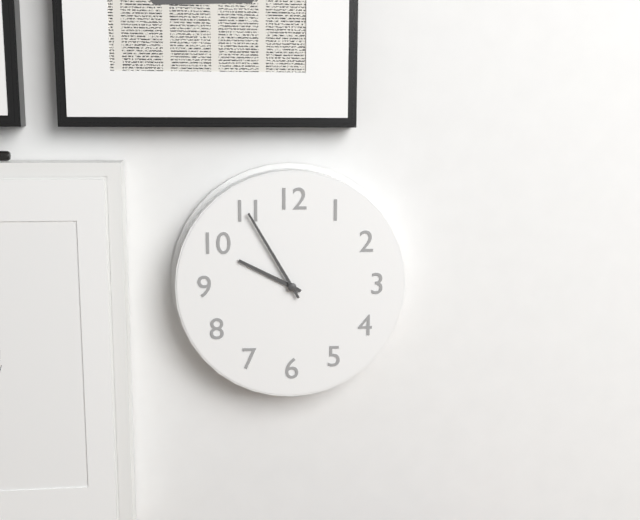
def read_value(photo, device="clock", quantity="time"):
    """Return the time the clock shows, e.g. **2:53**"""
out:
**9:55**
